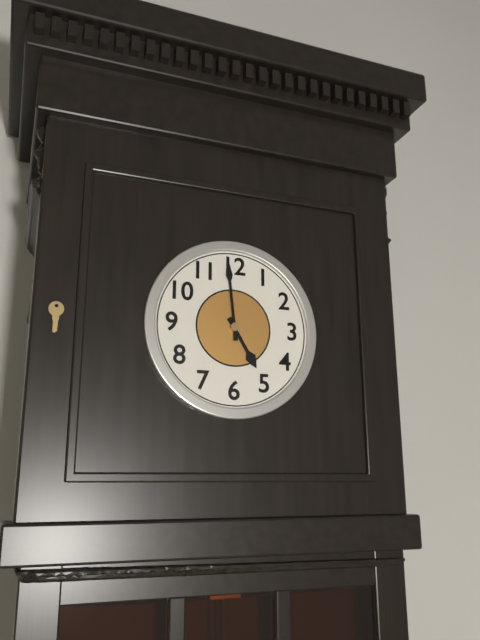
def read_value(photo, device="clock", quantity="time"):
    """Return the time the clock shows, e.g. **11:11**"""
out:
**4:59**
